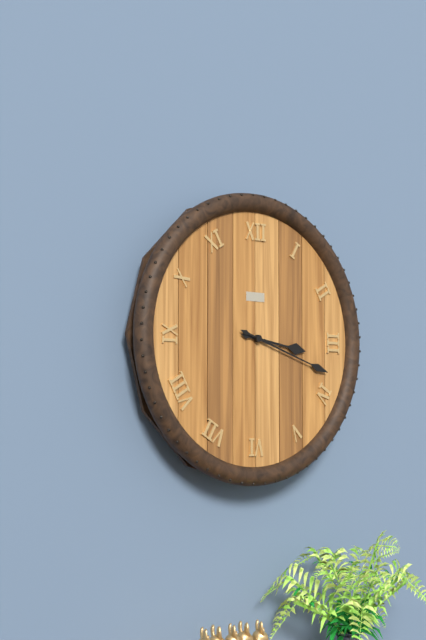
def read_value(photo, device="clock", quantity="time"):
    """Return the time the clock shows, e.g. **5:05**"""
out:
**3:18**
